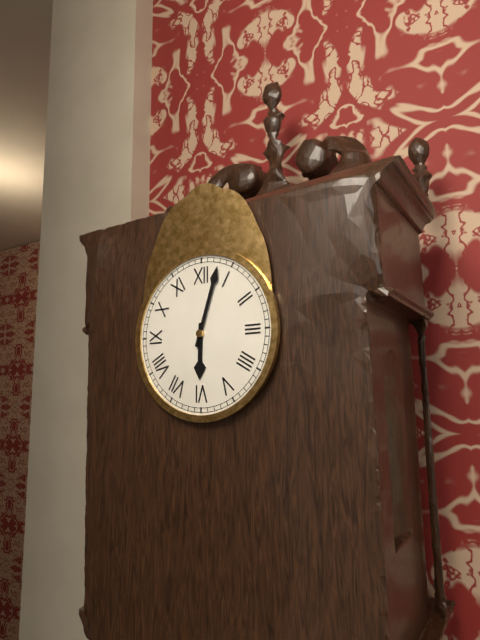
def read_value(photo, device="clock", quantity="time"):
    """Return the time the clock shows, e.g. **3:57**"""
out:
**6:03**
